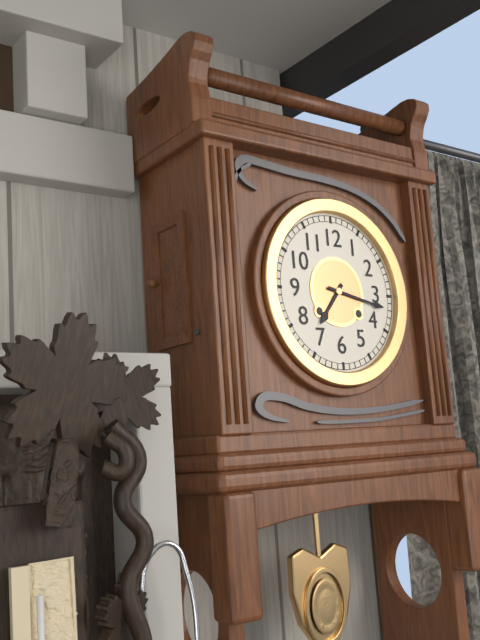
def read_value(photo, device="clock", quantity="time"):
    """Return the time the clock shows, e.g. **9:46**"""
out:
**7:17**
